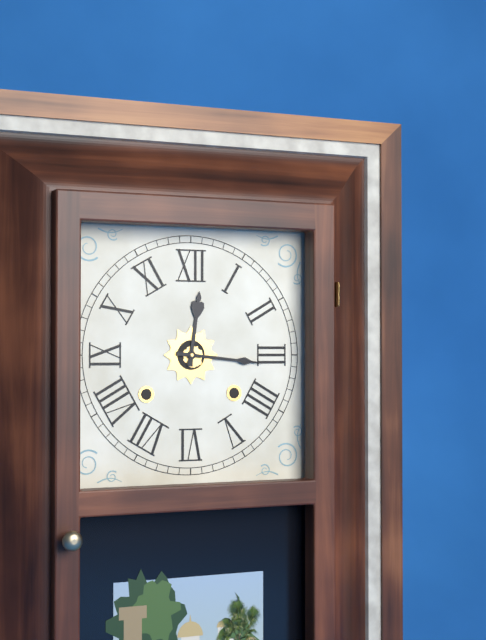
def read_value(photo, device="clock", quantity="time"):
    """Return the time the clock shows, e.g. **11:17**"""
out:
**12:16**
